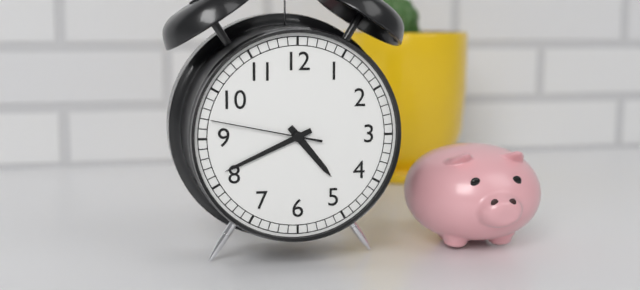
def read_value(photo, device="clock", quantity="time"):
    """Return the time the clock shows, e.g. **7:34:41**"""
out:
**4:41:47**
